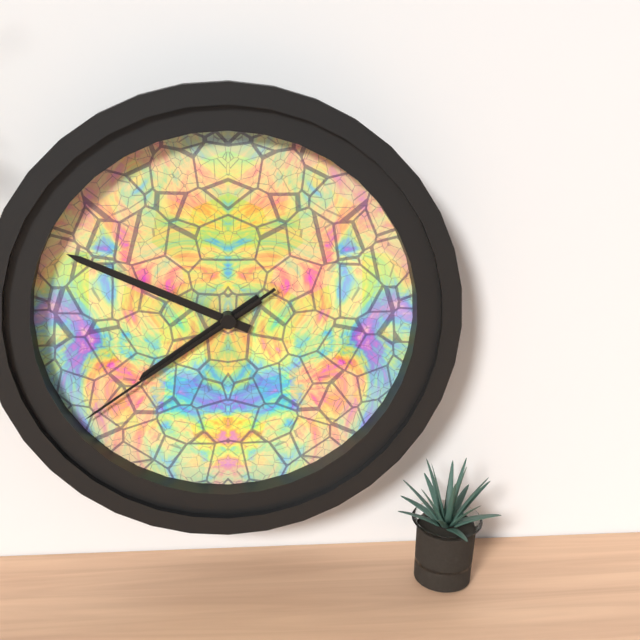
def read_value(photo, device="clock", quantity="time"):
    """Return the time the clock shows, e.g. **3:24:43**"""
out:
**7:49:39**
